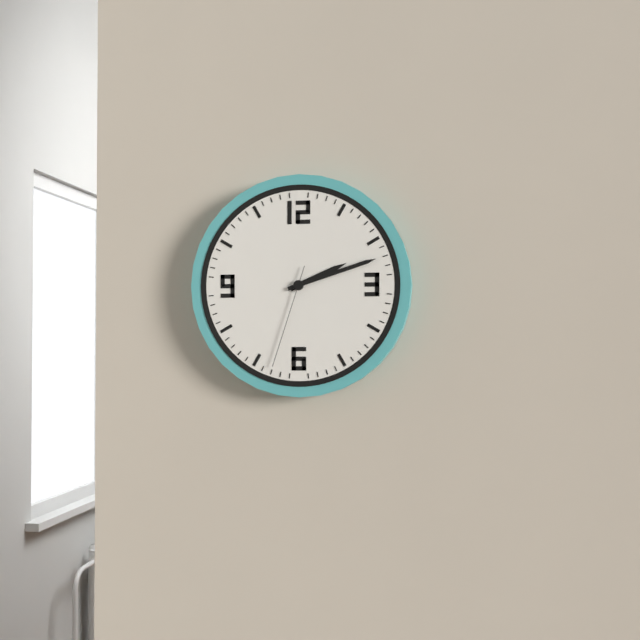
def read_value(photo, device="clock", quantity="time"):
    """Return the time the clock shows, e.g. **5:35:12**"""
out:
**2:12:33**
